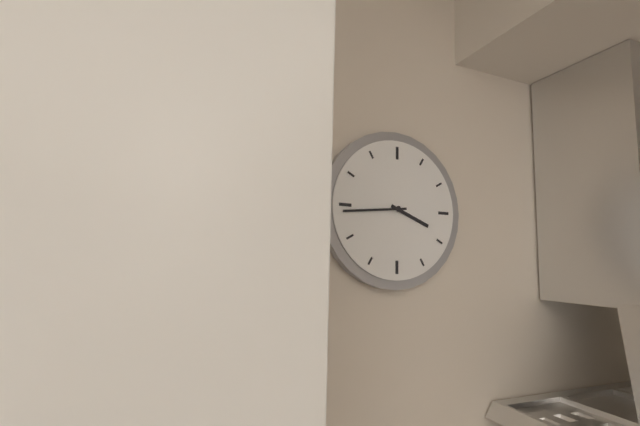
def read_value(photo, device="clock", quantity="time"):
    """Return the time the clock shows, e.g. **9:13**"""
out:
**3:44**
